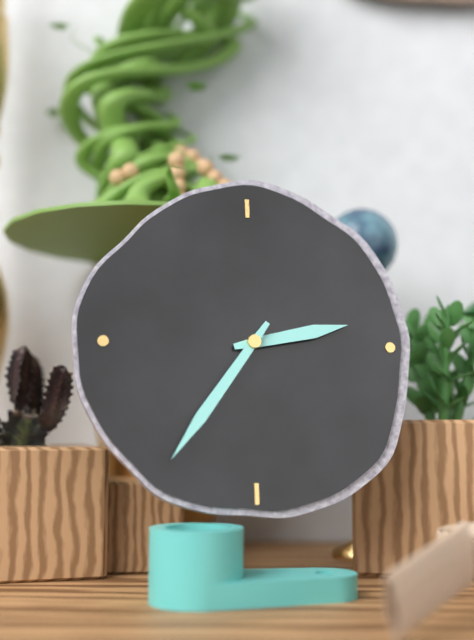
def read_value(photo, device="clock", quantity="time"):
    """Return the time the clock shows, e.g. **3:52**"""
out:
**2:36**
